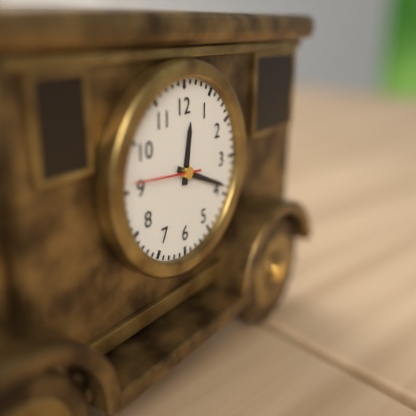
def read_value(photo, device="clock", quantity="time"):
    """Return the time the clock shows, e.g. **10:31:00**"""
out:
**12:19:46**
